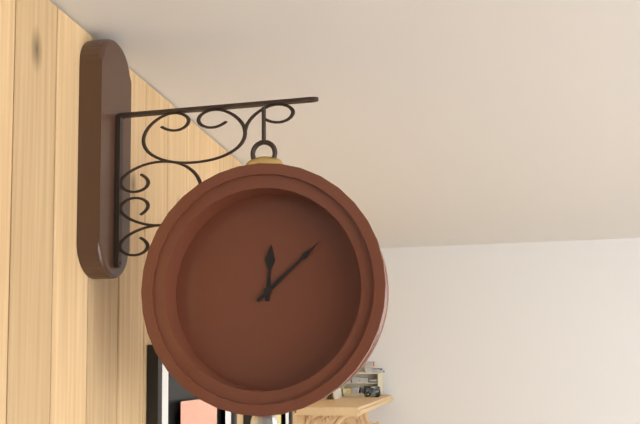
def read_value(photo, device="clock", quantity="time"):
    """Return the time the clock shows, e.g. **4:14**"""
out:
**12:08**
